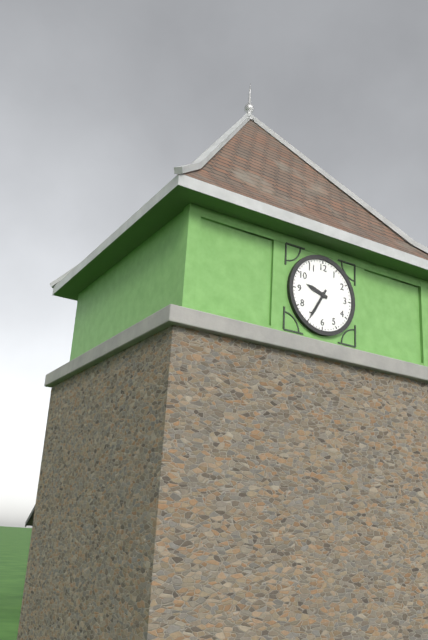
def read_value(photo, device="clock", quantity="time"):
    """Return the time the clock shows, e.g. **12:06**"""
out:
**9:35**
